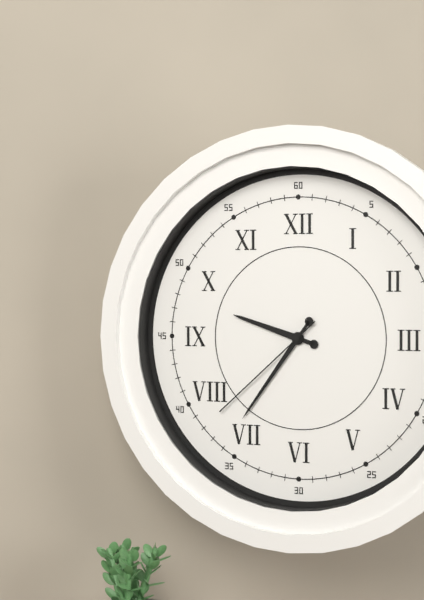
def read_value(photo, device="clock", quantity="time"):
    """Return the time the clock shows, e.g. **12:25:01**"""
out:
**9:36:38**
